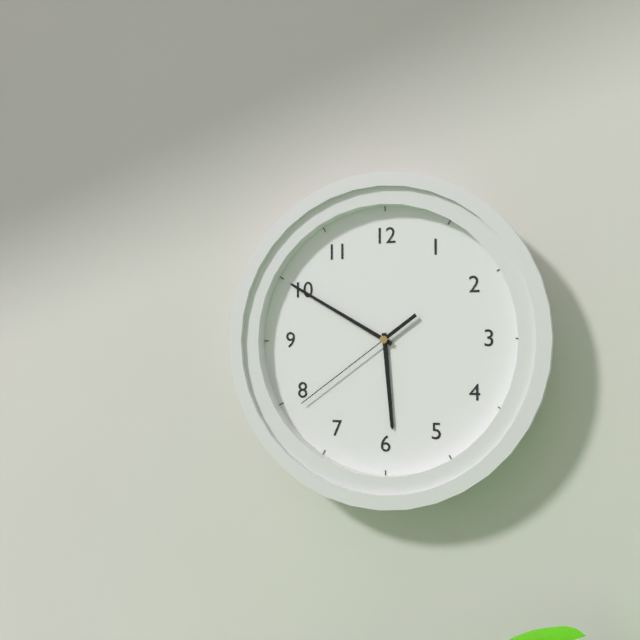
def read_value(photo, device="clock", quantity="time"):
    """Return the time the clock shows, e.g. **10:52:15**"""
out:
**5:50:39**
